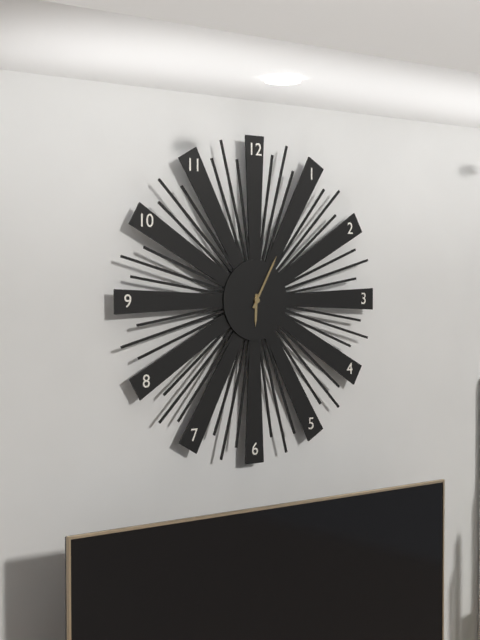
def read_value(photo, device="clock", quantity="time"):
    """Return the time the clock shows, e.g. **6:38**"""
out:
**6:05**
